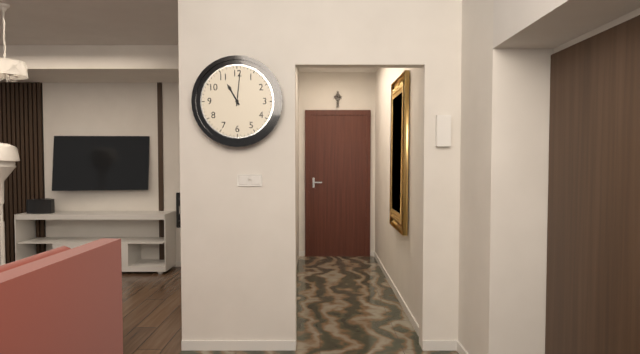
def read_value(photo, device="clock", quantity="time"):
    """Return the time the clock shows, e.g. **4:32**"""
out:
**11:01**
